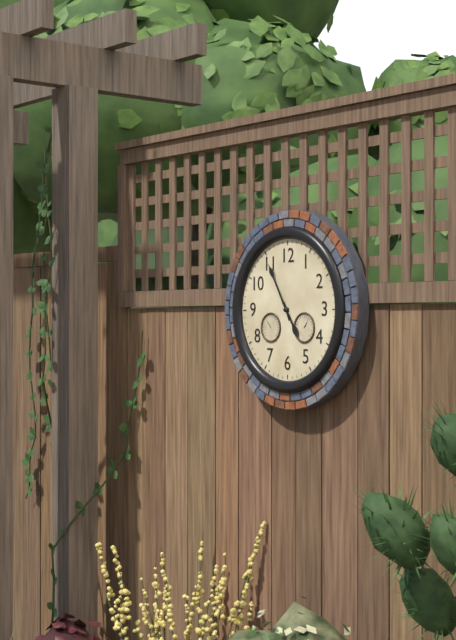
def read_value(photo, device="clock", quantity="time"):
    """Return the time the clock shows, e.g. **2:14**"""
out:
**4:55**
